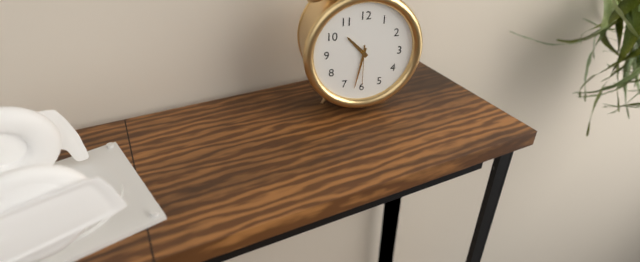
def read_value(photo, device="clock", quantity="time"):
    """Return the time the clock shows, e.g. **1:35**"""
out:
**10:32**
